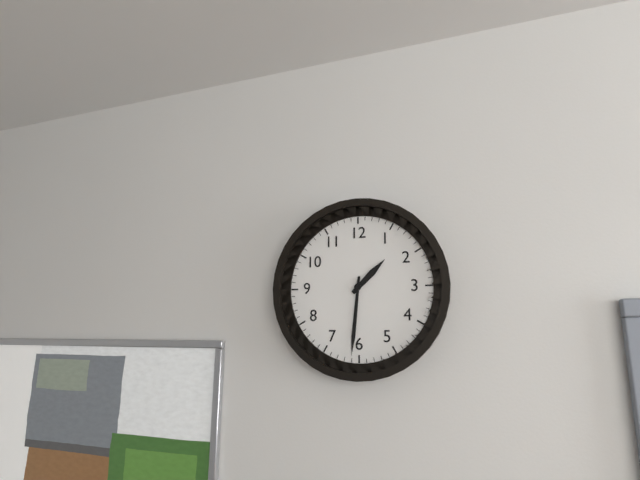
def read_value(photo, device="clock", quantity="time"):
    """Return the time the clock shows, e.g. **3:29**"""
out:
**1:31**
